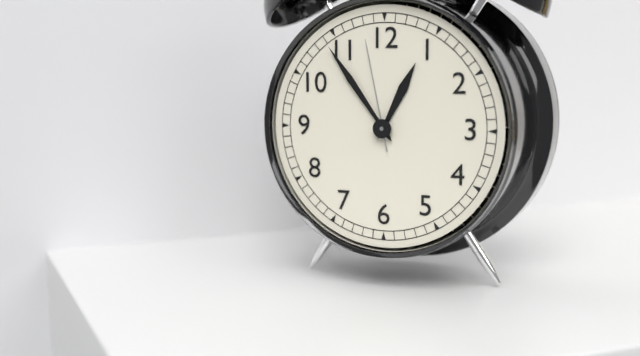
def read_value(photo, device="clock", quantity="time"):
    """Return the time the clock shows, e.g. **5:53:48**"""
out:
**12:54:58**
